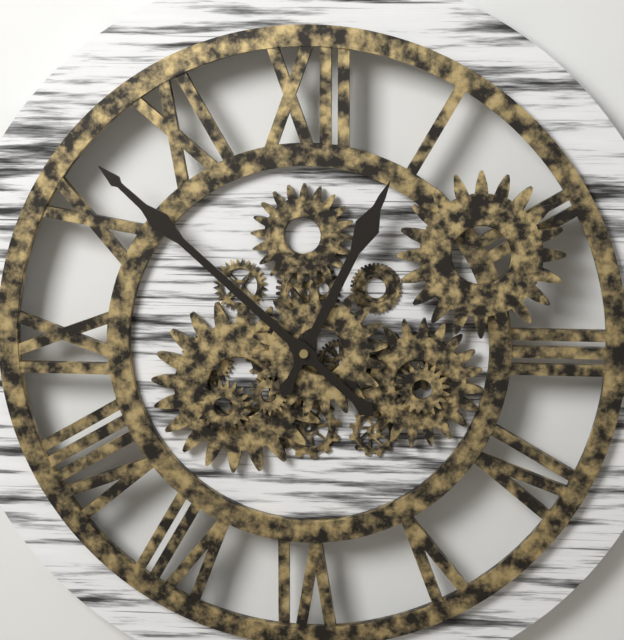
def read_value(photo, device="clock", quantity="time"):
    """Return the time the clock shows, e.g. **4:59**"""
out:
**12:52**
